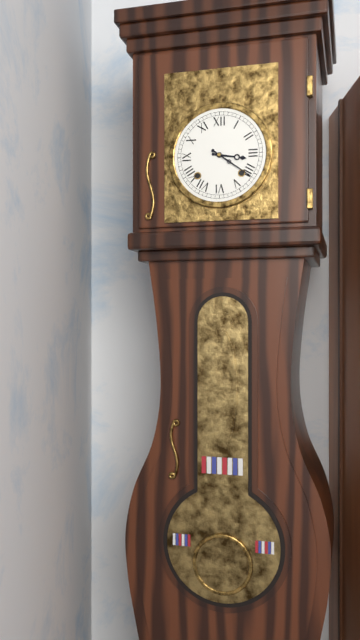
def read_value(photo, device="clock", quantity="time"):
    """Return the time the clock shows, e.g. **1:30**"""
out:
**3:21**
